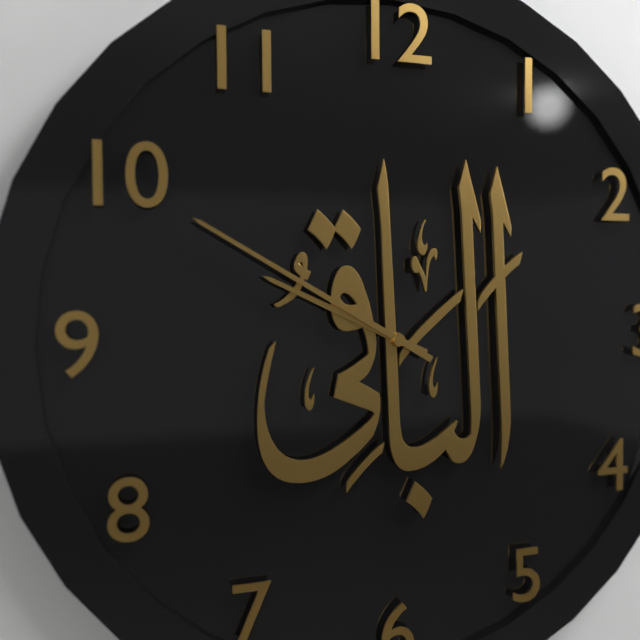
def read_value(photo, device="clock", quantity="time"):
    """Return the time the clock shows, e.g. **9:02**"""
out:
**9:50**
